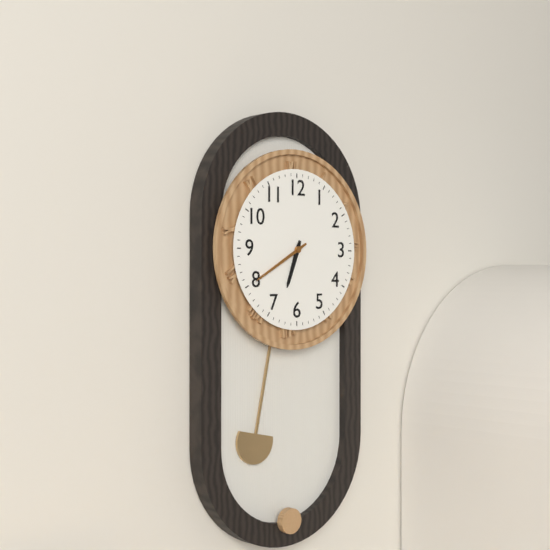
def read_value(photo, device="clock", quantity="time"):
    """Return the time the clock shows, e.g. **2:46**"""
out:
**6:40**
